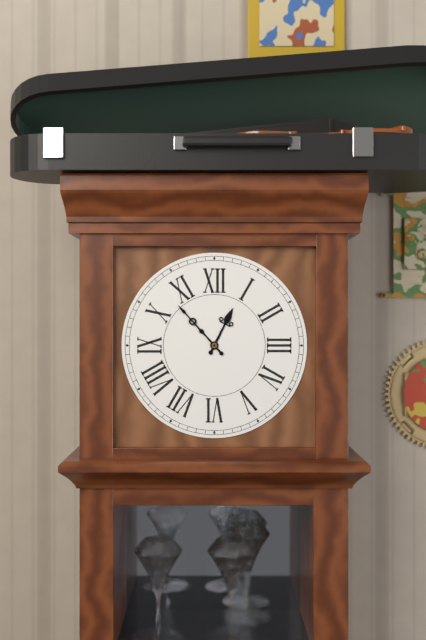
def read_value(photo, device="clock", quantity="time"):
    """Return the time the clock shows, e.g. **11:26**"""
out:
**12:53**
